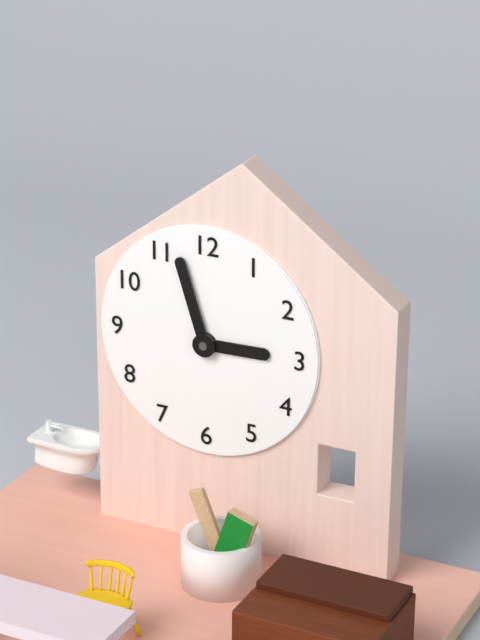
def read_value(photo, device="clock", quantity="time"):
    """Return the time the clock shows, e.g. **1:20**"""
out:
**2:57**
